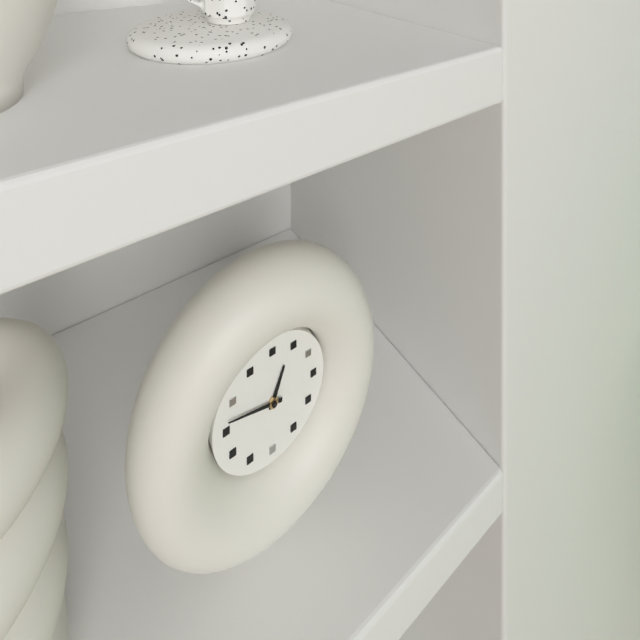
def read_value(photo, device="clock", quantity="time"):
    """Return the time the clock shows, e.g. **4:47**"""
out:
**12:47**
